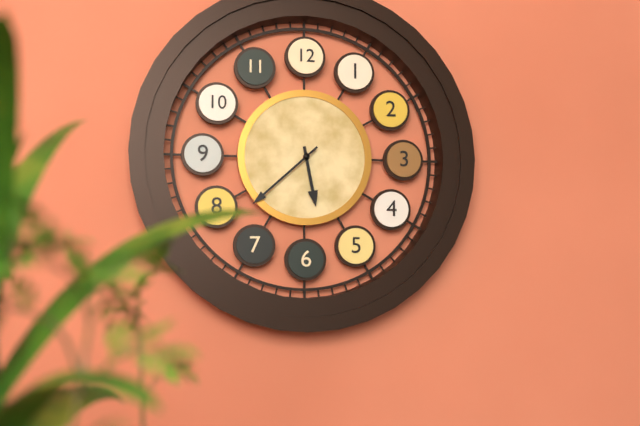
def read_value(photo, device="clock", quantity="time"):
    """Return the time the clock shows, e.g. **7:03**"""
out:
**5:38**
